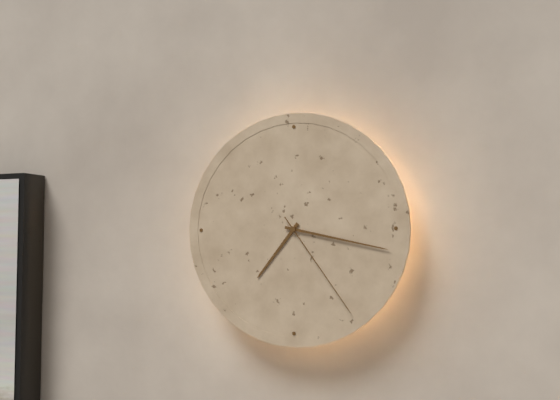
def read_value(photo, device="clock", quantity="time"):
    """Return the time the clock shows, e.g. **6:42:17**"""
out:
**7:17:24**
